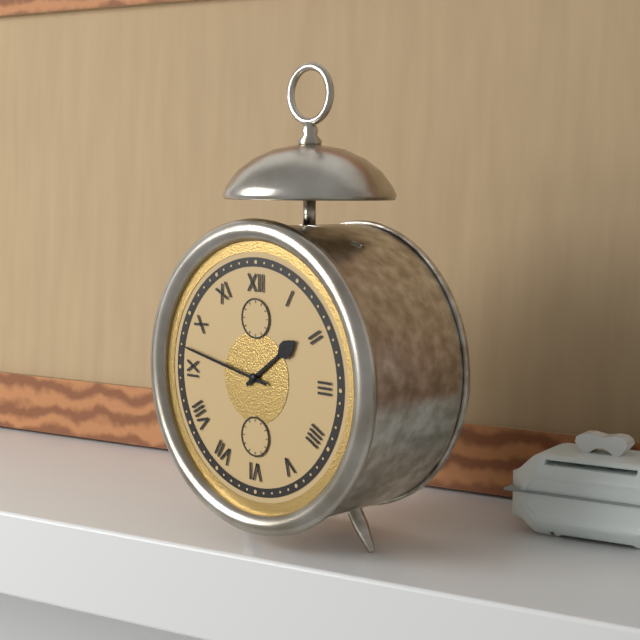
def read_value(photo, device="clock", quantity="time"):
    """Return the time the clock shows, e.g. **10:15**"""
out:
**1:47**
